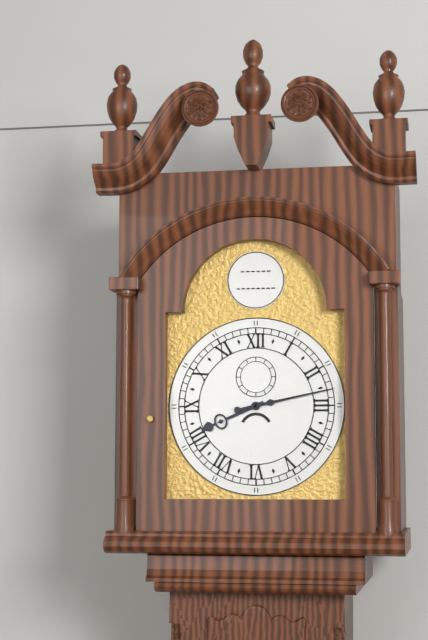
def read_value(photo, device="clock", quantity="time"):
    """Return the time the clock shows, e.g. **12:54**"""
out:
**8:13**
